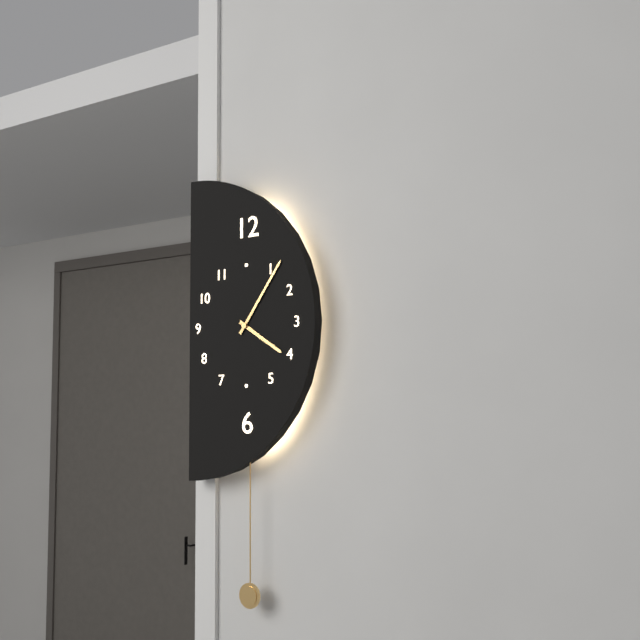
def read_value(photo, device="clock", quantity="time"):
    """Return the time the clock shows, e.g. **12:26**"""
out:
**4:06**
